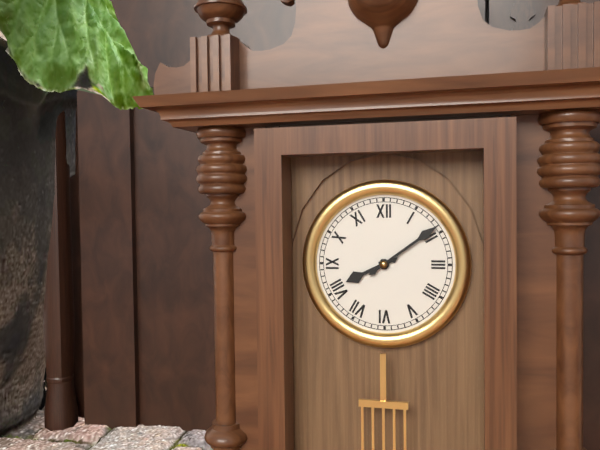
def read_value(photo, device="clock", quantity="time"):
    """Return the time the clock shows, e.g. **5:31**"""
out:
**8:09**
